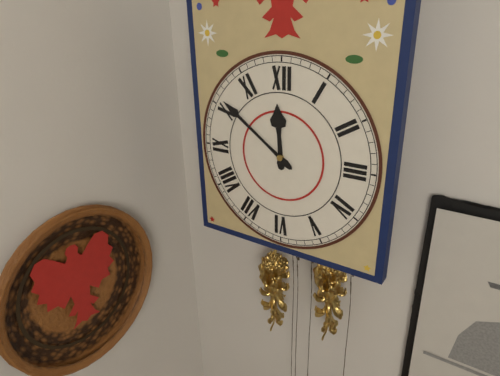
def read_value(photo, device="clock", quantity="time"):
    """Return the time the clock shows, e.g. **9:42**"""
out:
**11:51**
